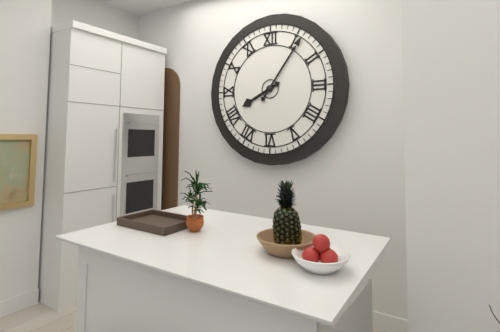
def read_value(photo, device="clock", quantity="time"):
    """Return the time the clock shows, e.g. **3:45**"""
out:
**8:06**
